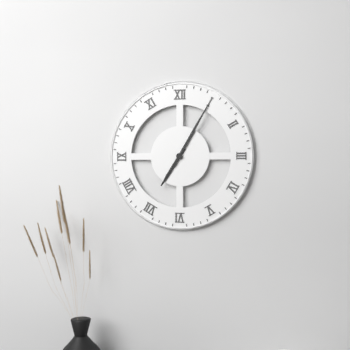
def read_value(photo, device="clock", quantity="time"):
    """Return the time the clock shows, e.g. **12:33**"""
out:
**7:05**
